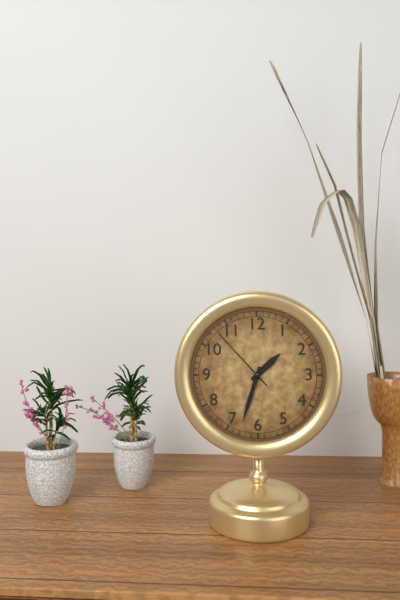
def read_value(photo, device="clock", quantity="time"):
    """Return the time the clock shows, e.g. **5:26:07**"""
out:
**1:33:53**
